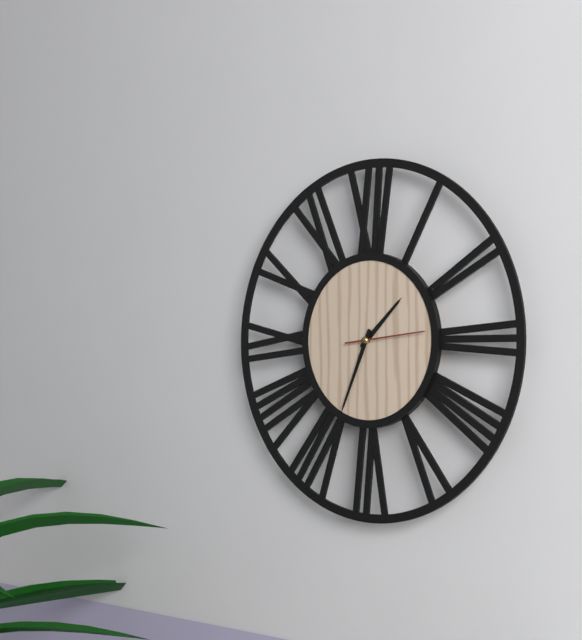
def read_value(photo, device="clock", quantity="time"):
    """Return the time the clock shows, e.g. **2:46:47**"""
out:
**1:34:14**
